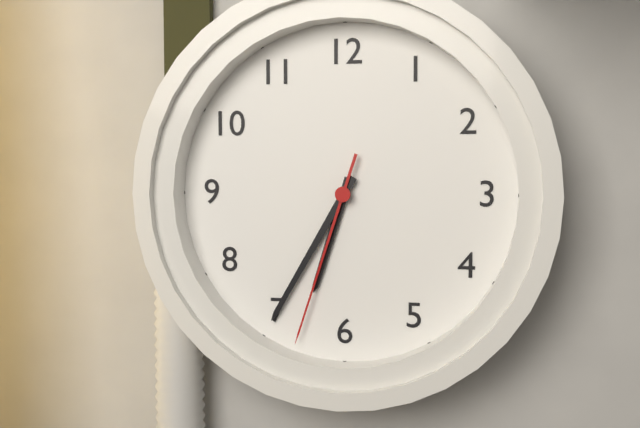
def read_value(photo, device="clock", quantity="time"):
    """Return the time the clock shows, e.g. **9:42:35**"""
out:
**6:35:33**
